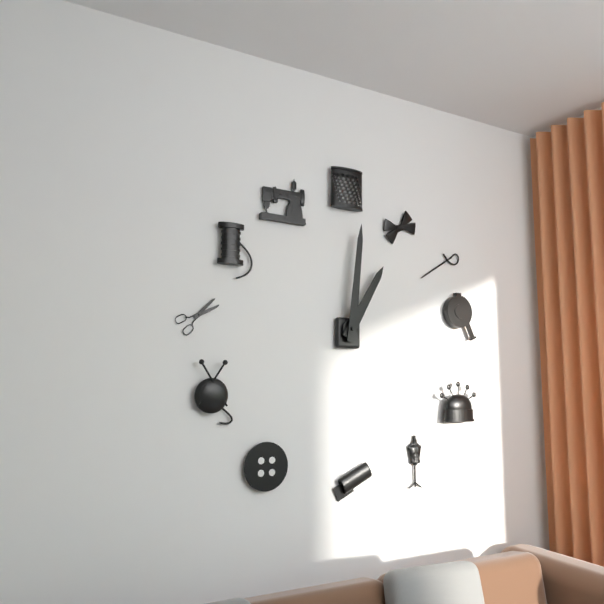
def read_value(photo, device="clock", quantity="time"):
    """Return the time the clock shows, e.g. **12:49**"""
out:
**1:01**
